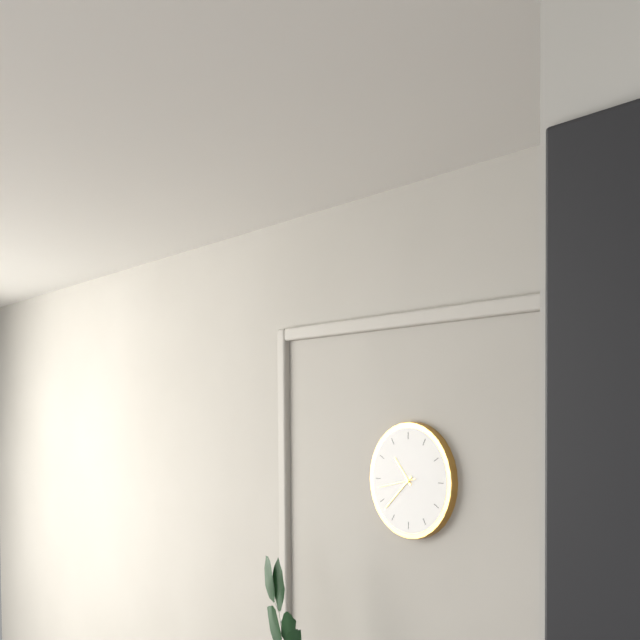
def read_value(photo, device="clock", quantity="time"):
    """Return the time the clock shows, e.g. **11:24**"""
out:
**10:38**
